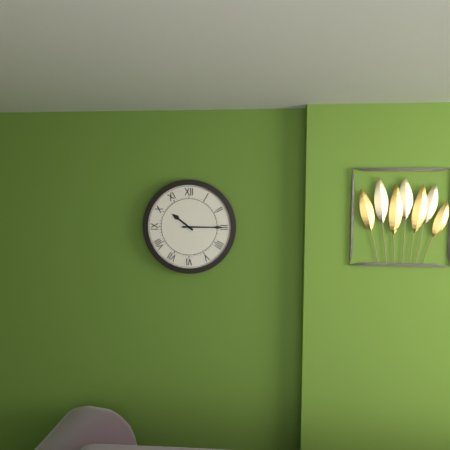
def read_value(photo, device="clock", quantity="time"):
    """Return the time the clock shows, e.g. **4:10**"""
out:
**10:15**
